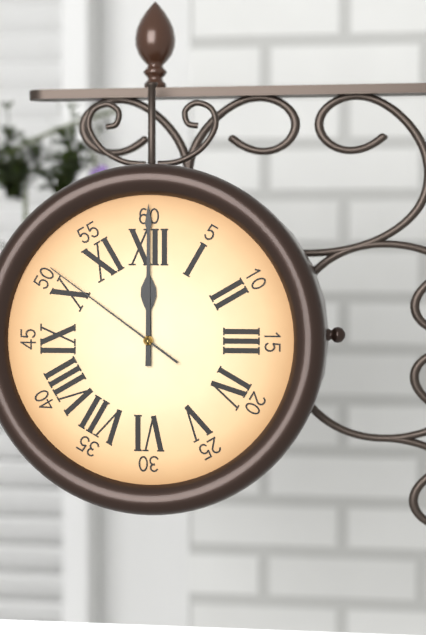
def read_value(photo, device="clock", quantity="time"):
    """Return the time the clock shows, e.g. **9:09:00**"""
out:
**12:00:51**
